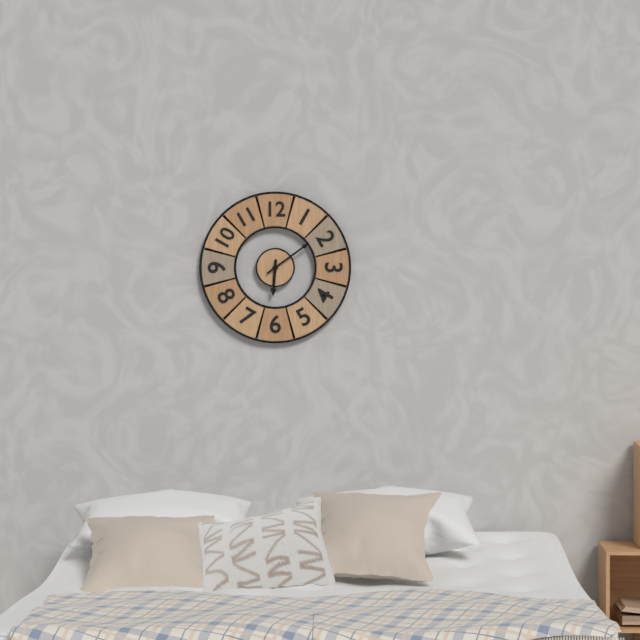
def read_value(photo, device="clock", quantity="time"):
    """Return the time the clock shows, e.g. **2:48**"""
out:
**6:09**
